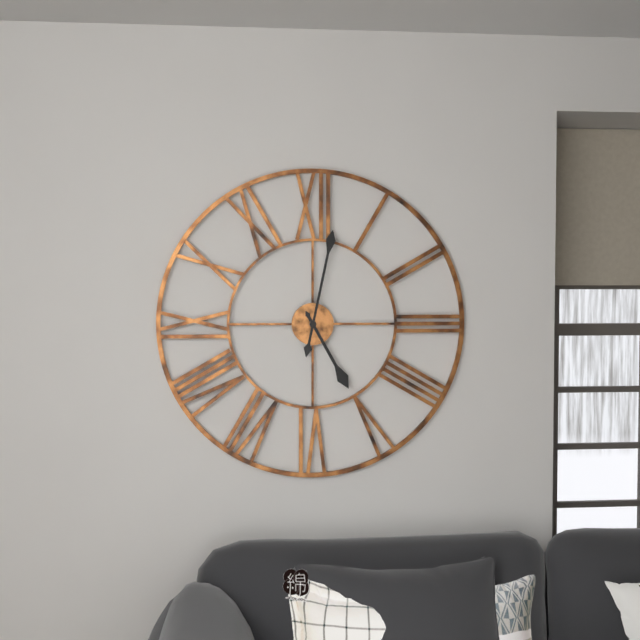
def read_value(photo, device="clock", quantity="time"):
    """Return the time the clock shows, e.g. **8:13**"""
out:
**5:02**
